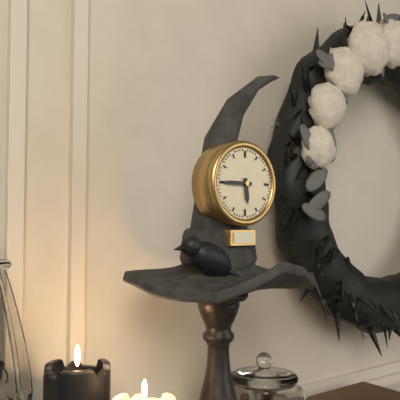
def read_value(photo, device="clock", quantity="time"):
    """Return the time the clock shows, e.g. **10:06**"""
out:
**5:45**
